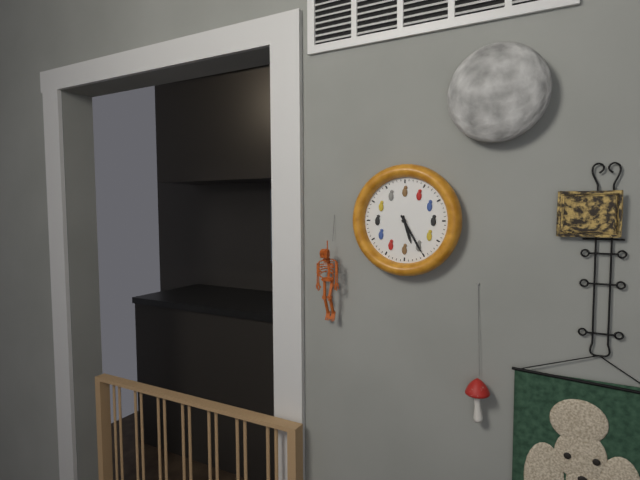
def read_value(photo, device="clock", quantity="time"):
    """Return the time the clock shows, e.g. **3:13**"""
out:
**5:25**
